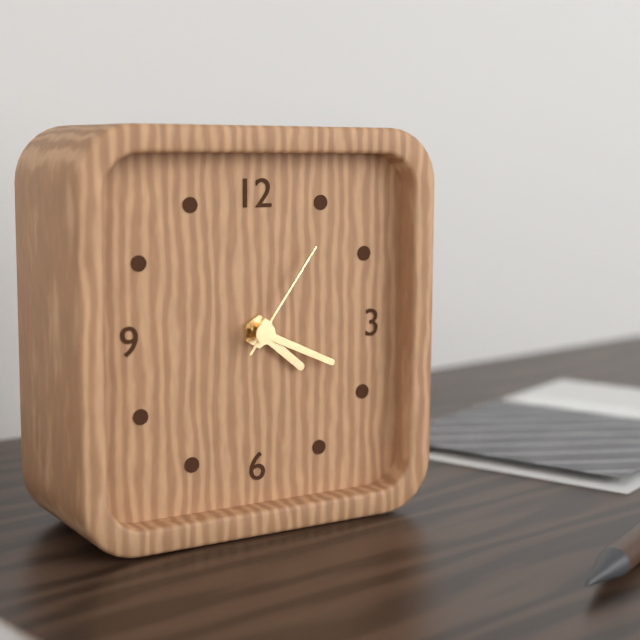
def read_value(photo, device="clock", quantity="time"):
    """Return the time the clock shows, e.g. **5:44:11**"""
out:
**4:19:06**
